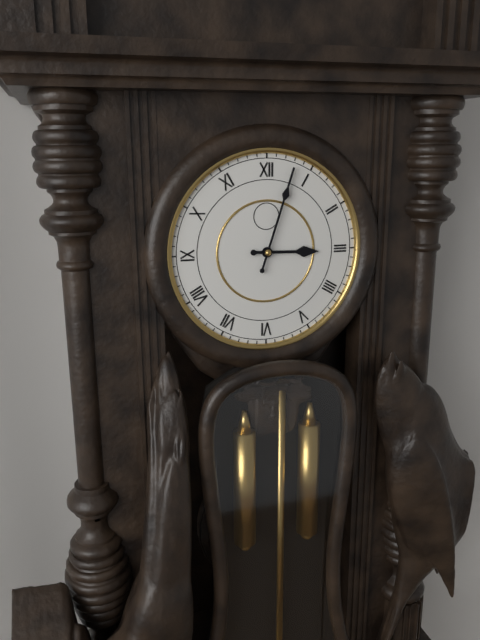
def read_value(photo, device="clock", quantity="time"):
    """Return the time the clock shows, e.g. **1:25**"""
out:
**3:03**
